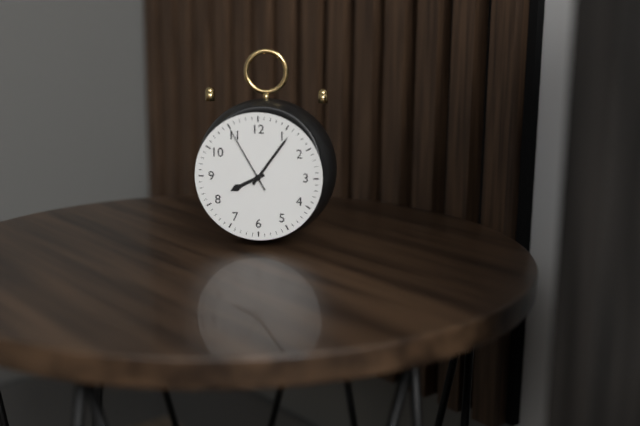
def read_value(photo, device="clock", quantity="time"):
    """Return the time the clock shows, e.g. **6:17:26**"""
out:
**8:06:55**
